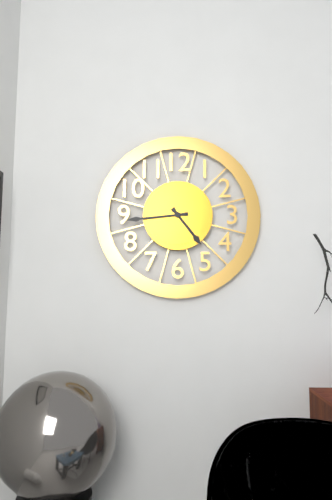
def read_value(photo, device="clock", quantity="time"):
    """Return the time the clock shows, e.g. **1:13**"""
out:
**4:44**
